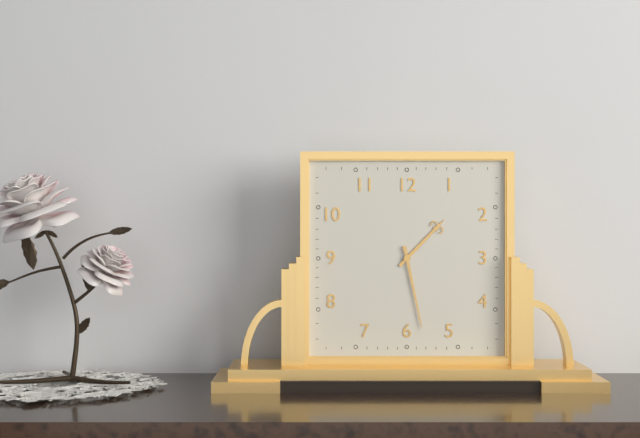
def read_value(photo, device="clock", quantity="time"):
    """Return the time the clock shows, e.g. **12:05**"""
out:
**1:28**
